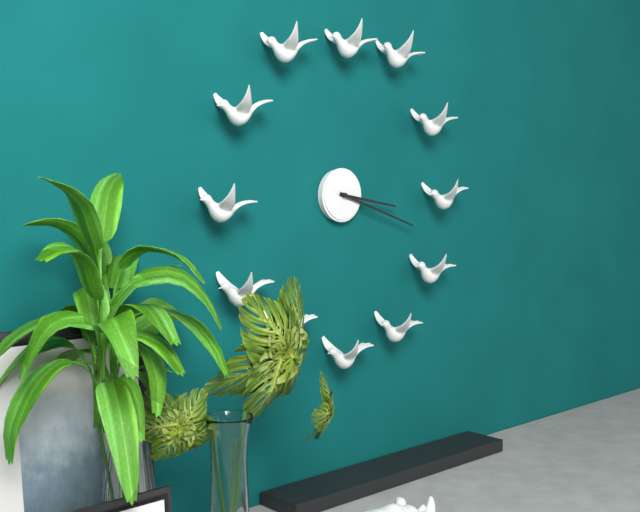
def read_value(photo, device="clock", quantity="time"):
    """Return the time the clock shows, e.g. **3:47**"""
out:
**3:18**
